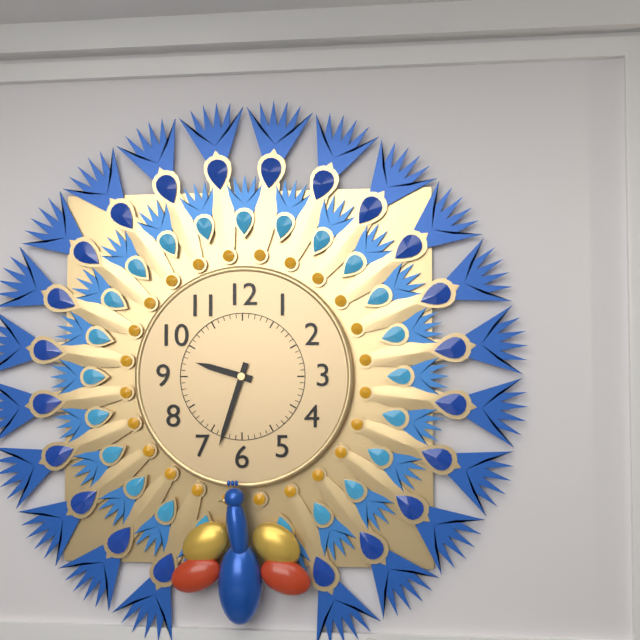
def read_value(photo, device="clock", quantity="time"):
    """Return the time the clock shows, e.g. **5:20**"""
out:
**9:33**
